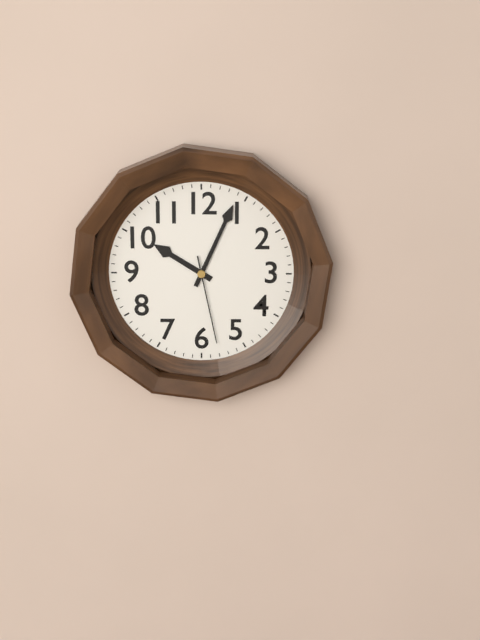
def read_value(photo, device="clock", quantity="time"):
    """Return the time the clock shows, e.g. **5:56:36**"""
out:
**10:04:28**
